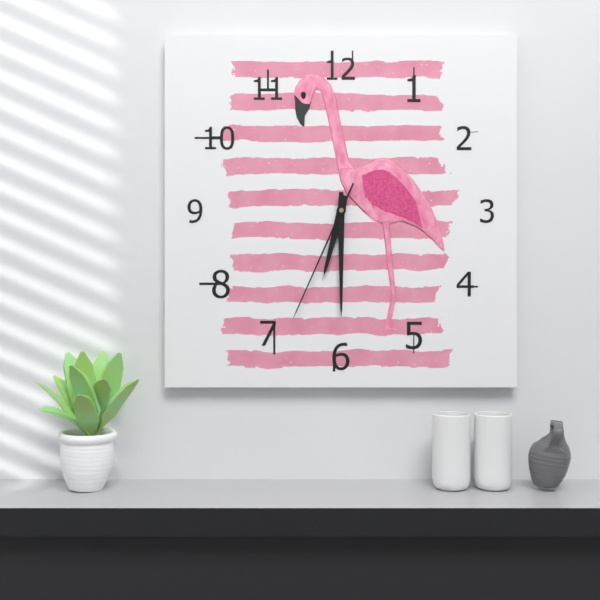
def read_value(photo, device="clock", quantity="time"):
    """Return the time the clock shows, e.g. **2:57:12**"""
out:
**6:30:34**
